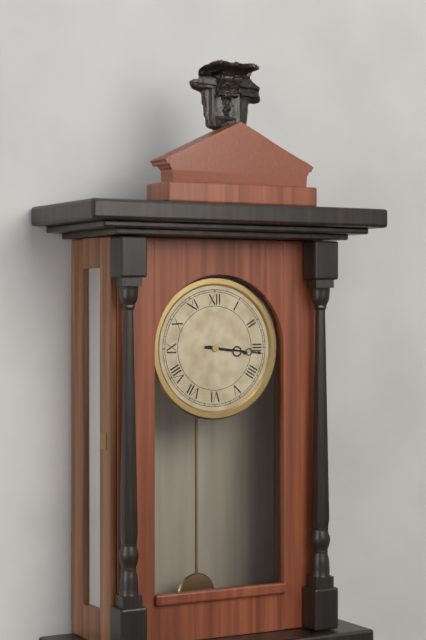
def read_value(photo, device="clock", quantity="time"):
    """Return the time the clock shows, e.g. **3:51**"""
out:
**3:16**
